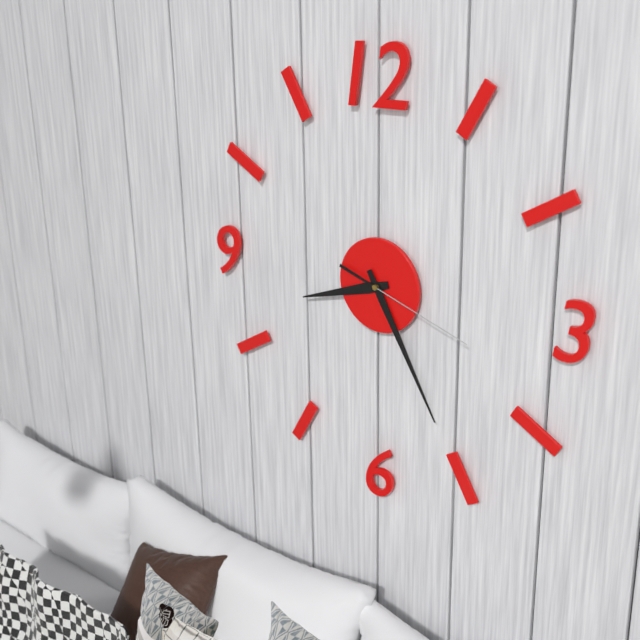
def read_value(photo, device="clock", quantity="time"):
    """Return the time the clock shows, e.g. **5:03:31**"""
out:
**8:25:18**
